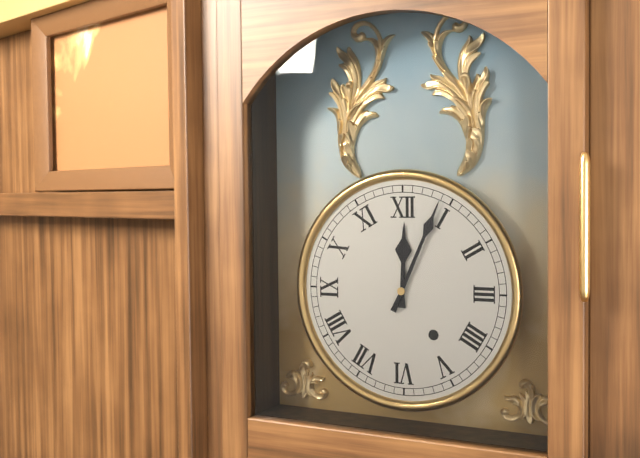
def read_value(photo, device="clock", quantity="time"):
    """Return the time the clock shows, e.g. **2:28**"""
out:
**12:04**
